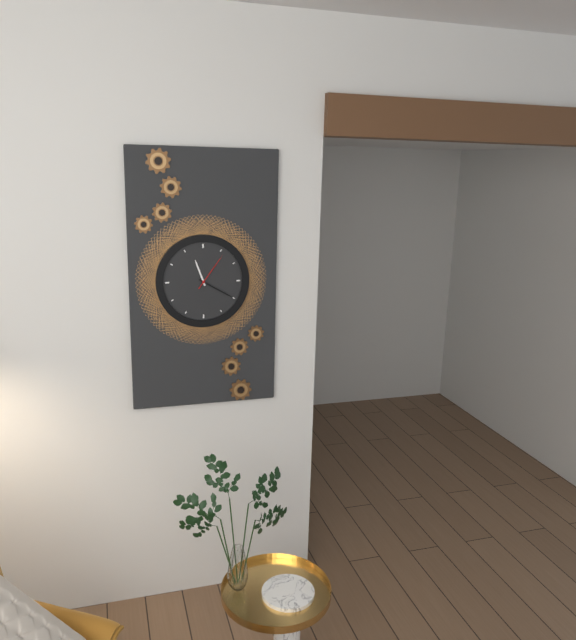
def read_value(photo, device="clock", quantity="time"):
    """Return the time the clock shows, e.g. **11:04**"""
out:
**11:20**
